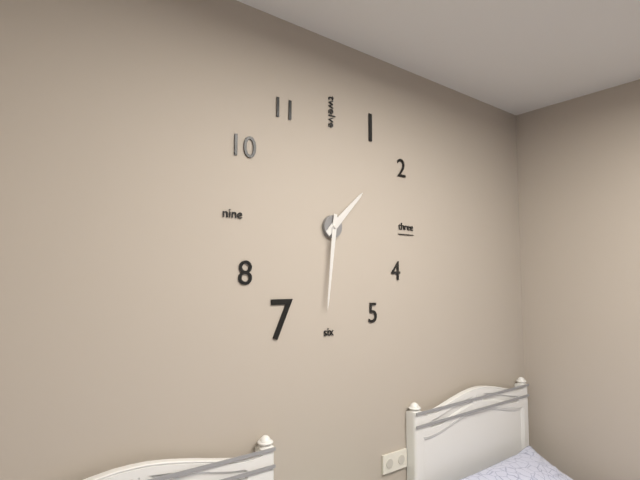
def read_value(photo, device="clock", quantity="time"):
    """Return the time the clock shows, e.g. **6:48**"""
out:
**1:31**
